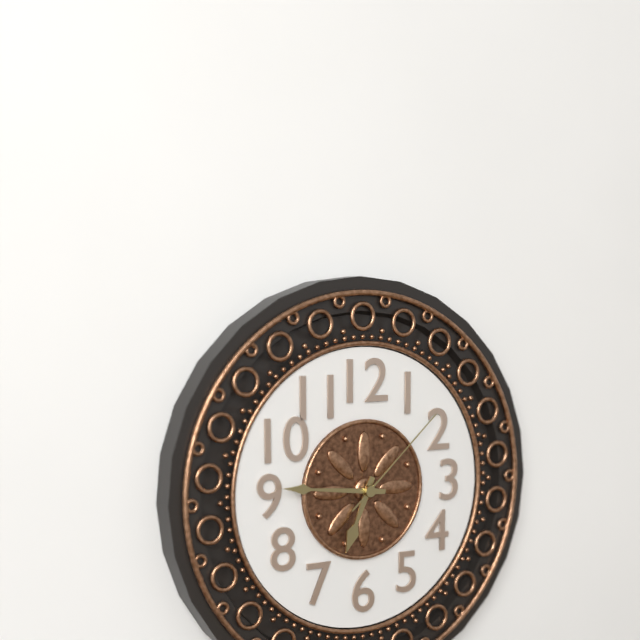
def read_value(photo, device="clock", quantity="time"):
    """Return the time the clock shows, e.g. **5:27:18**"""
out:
**6:46:08**
